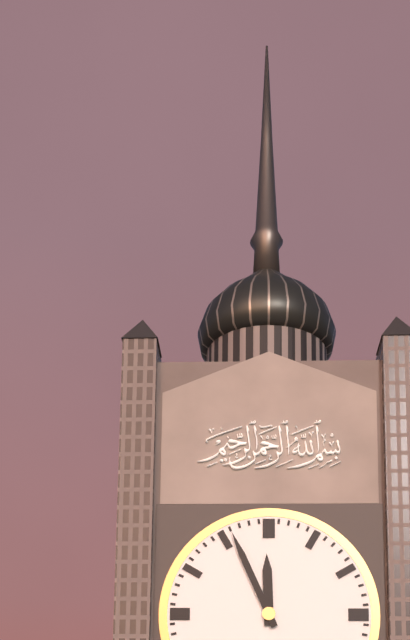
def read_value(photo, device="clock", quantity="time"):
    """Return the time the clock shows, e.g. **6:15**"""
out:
**11:56**
